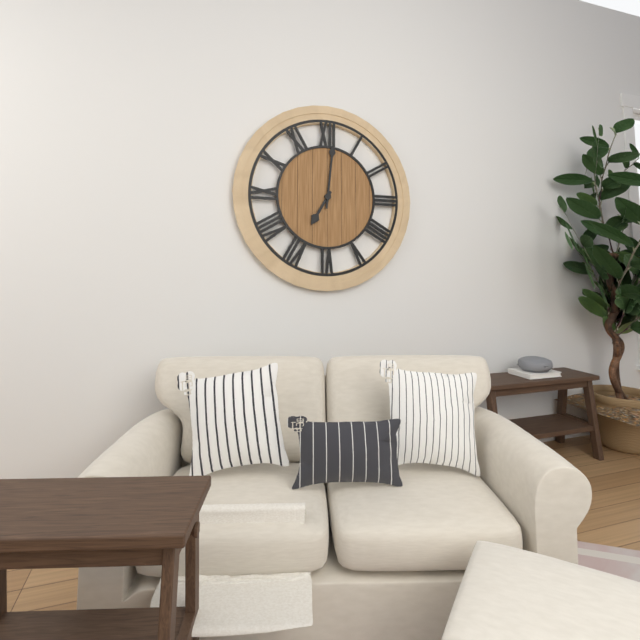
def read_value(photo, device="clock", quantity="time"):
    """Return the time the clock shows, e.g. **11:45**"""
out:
**7:01**
